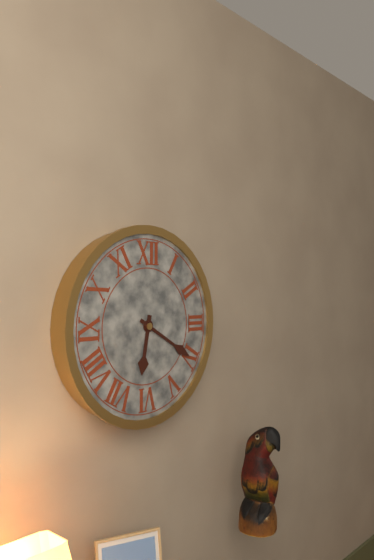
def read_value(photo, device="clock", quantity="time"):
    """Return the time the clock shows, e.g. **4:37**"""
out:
**6:20**
